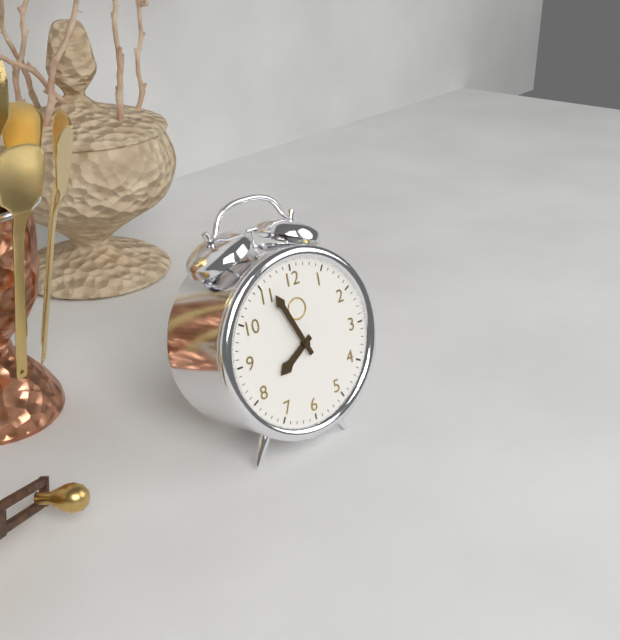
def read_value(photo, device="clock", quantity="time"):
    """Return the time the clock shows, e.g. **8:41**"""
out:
**7:56**
